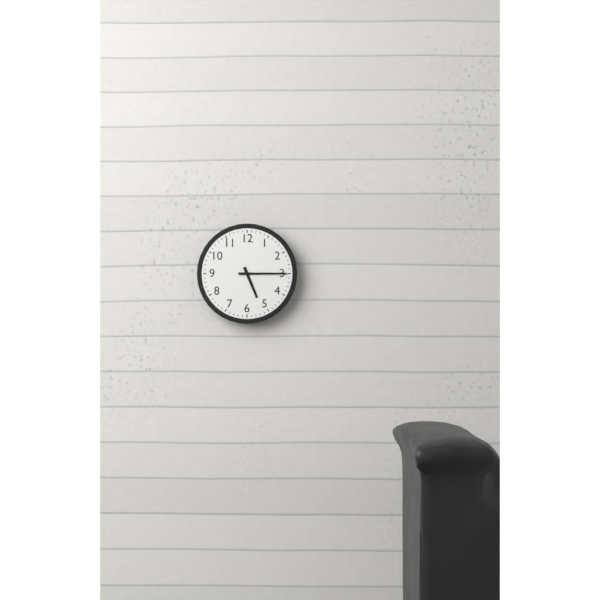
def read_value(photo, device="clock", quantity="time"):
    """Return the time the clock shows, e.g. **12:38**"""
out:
**5:15**
